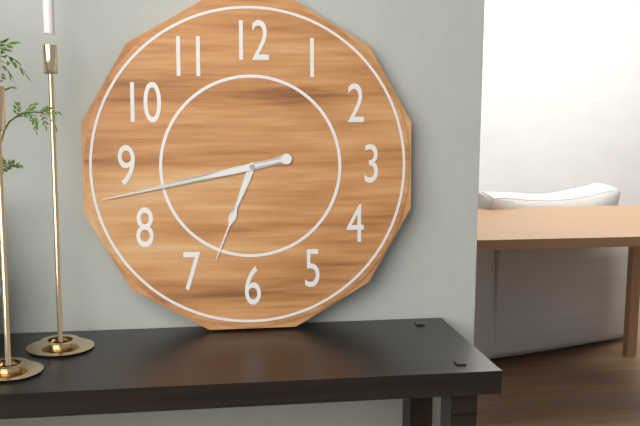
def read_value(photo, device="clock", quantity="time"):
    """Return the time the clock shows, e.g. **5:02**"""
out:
**6:43**
